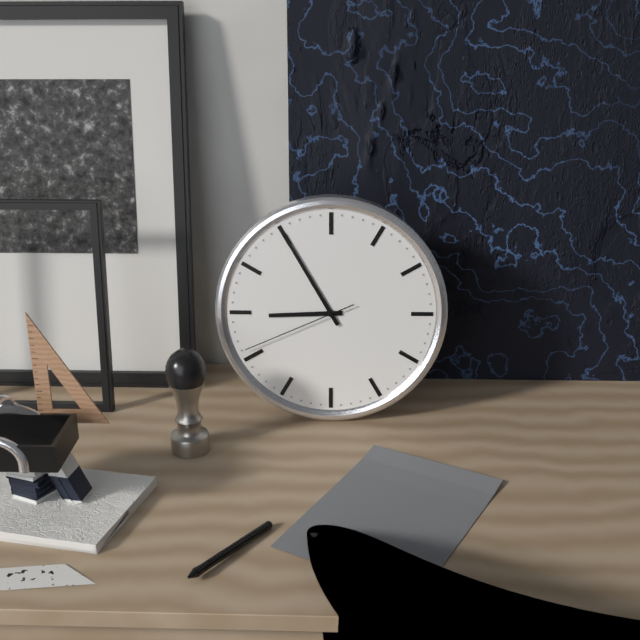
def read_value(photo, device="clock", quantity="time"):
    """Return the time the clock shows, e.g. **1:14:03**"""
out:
**8:55:41**
